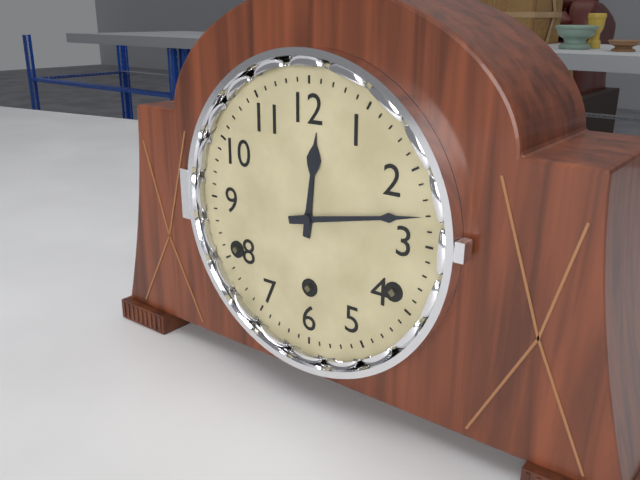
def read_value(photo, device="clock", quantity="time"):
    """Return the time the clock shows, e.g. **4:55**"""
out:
**12:13**
